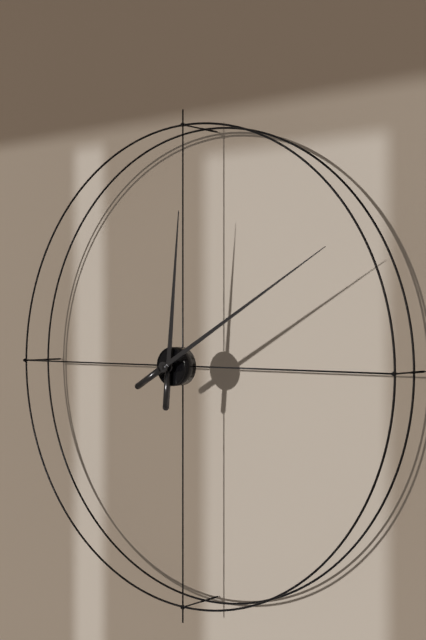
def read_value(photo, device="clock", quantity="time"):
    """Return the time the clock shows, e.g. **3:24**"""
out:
**12:10**
